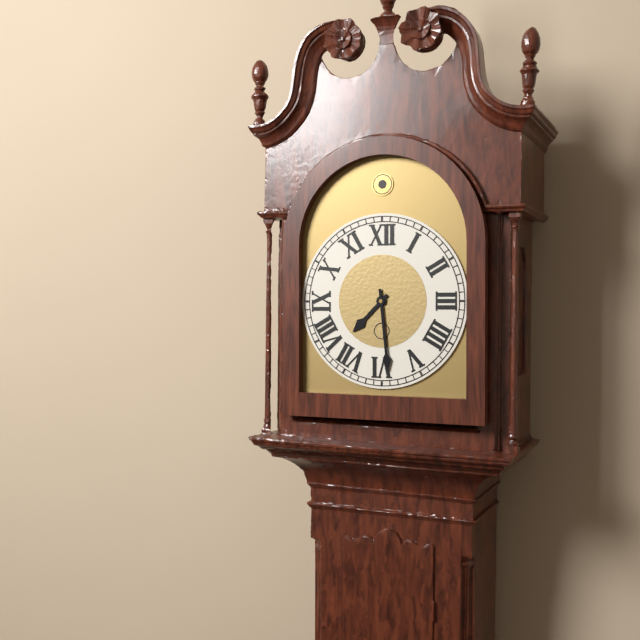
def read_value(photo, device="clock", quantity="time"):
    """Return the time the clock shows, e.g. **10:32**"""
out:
**7:29**
